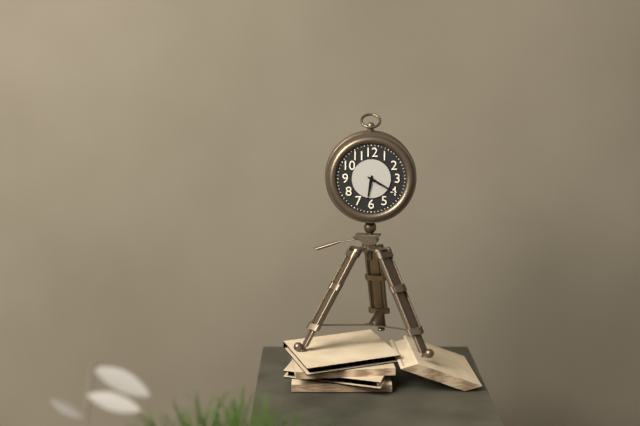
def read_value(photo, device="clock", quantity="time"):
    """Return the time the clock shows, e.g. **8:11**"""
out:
**6:20**
